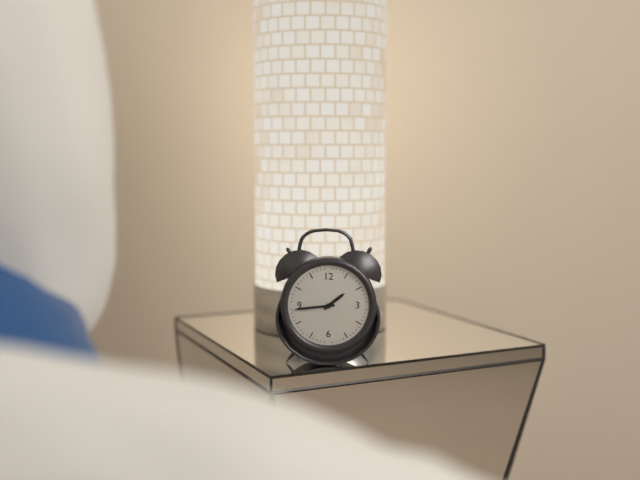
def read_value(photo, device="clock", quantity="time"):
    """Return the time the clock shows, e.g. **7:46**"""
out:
**1:44**
